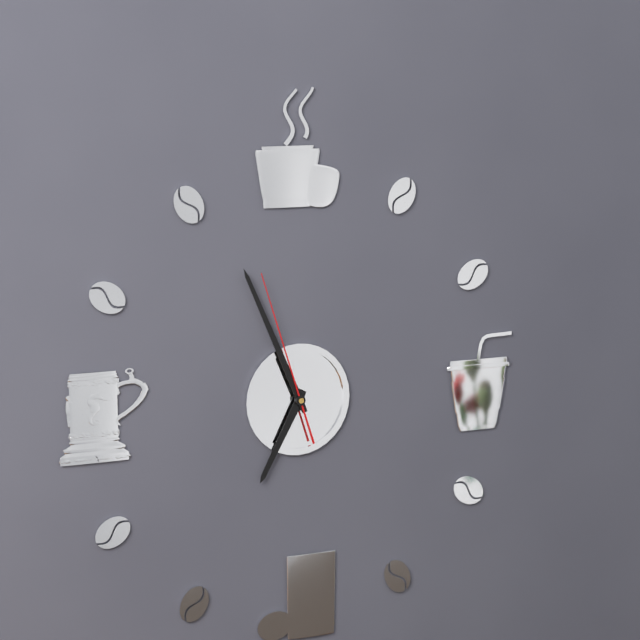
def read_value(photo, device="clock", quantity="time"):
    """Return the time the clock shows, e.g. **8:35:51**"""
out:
**6:56:57**
